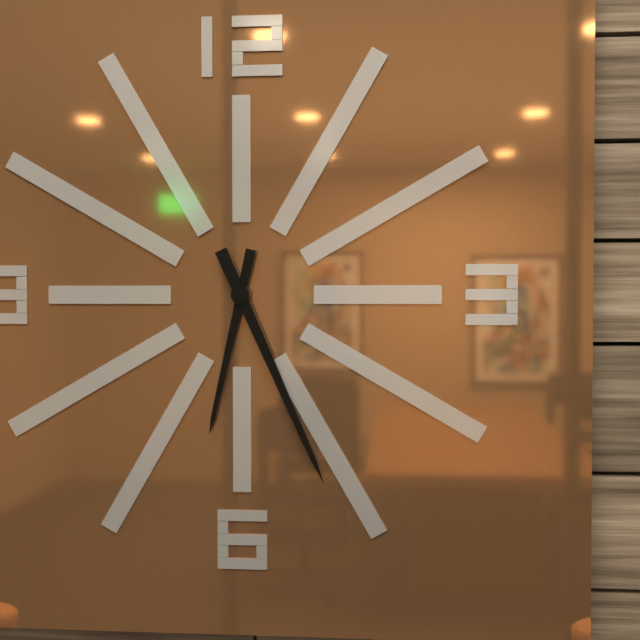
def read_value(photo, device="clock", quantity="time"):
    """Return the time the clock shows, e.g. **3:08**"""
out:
**6:26**
